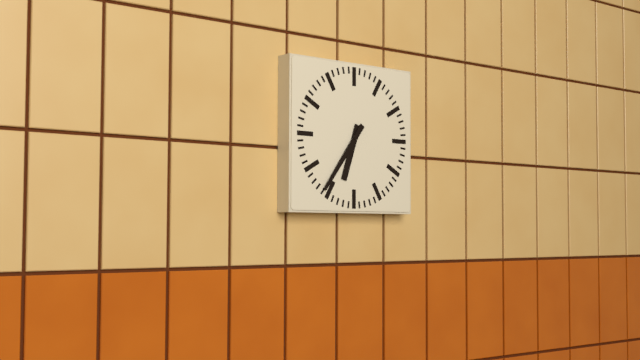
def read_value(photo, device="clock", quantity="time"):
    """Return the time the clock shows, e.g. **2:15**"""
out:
**6:36**
